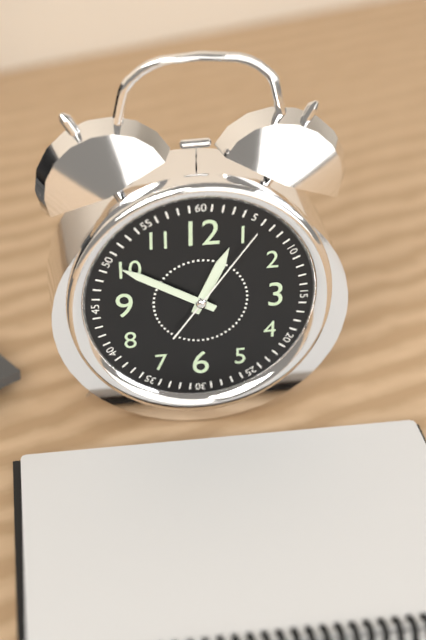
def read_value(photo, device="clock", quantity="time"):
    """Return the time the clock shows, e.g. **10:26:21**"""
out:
**12:50:06**
